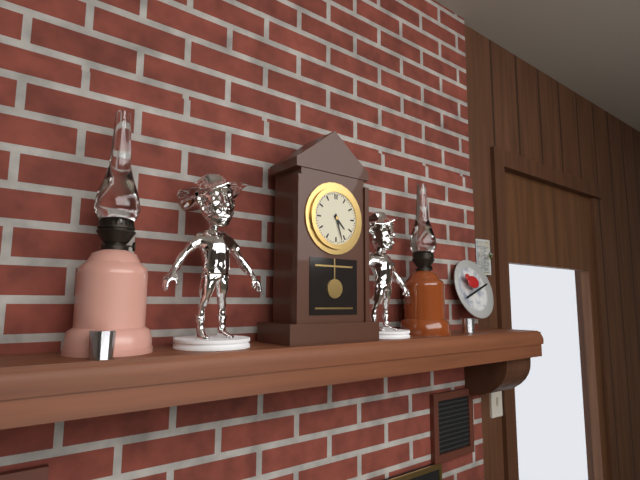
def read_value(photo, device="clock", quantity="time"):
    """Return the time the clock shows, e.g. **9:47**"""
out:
**4:27**
